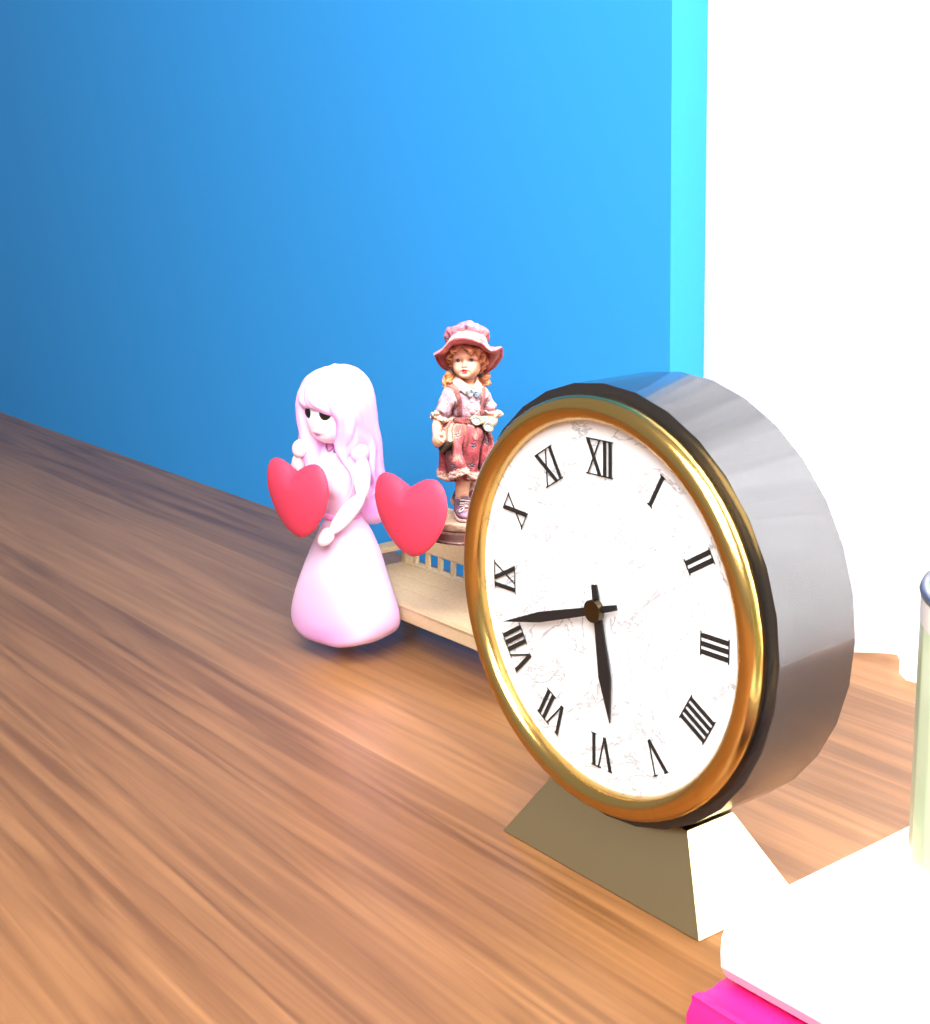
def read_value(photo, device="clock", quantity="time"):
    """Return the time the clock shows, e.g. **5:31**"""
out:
**5:42**
